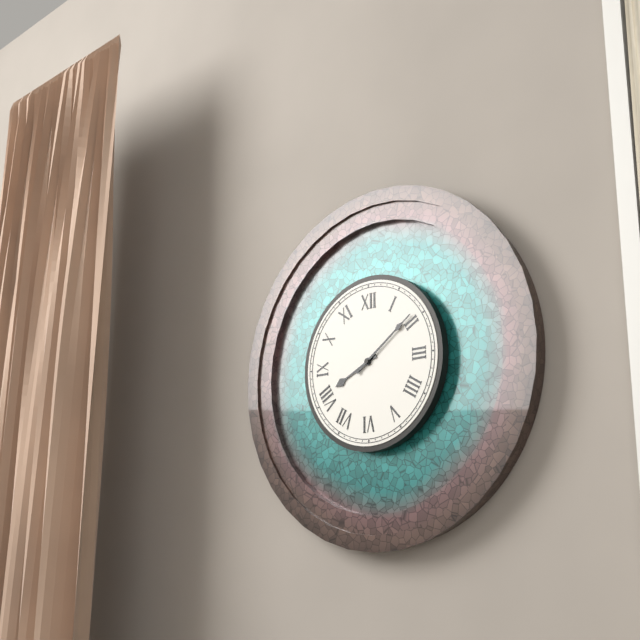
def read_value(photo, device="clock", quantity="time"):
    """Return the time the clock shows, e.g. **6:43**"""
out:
**8:09**
